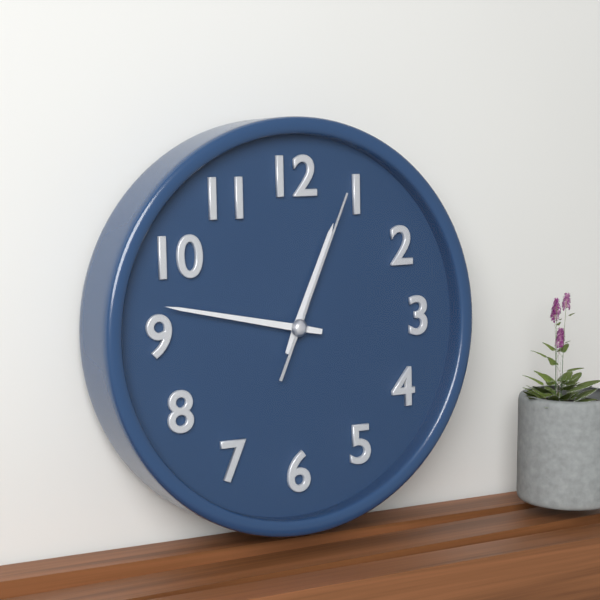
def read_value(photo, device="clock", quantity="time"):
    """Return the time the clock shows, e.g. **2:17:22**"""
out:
**12:47:04**
